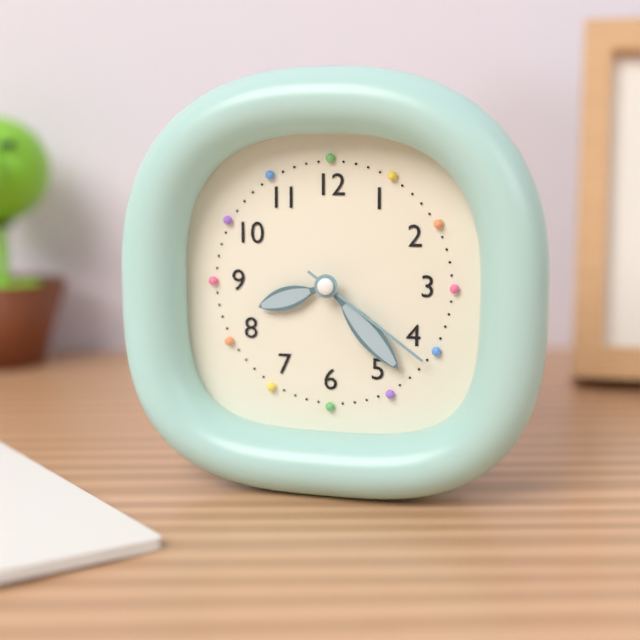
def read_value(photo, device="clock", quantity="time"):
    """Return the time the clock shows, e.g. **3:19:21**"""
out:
**8:23:21**
